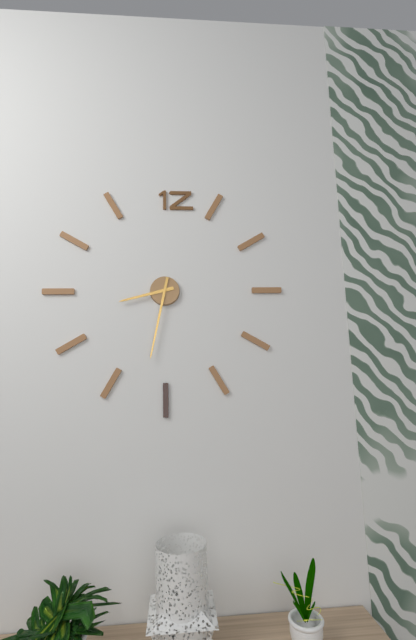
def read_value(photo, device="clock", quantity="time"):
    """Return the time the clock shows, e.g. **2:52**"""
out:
**8:32**
